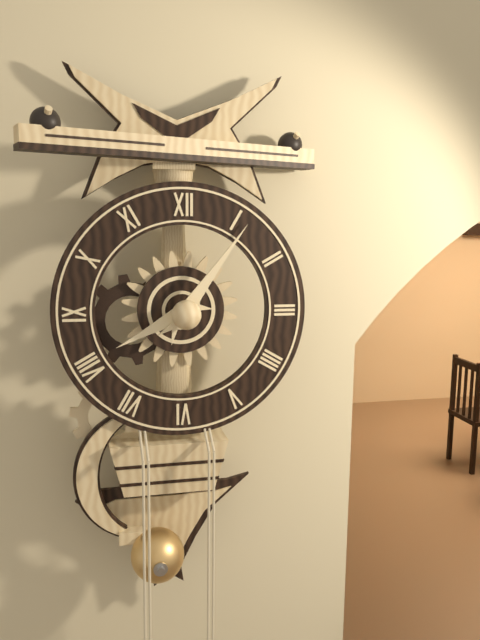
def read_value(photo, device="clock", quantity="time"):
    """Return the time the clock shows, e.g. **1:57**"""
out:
**8:06**
